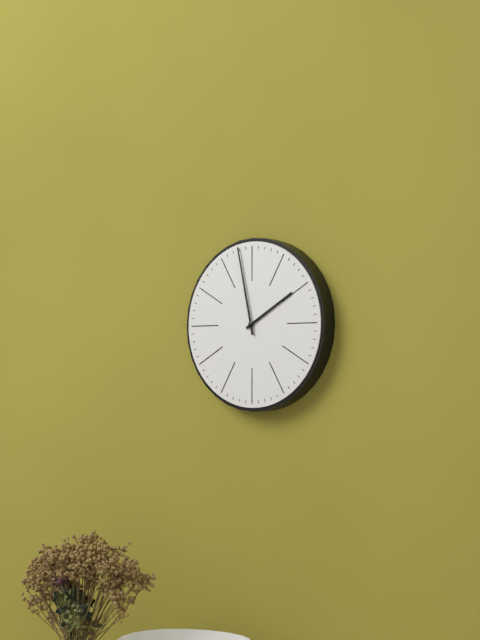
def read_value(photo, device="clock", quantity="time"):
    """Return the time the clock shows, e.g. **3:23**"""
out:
**1:58**
